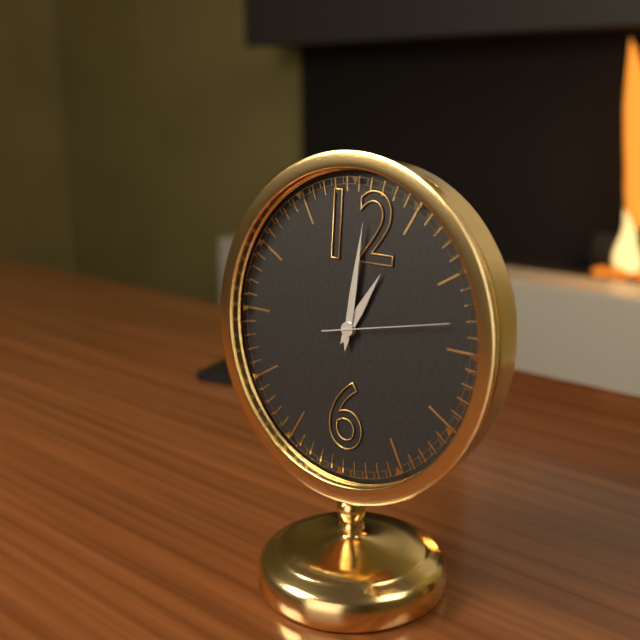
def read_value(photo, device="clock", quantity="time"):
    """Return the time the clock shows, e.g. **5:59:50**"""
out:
**1:01:13**
